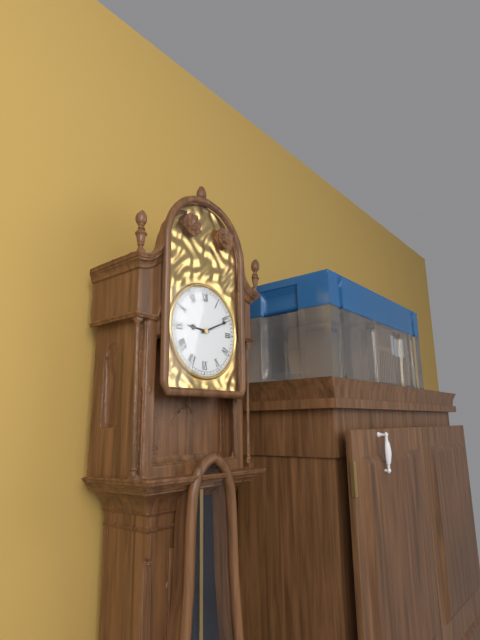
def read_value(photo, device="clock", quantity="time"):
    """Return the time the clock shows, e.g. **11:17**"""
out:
**9:11**
